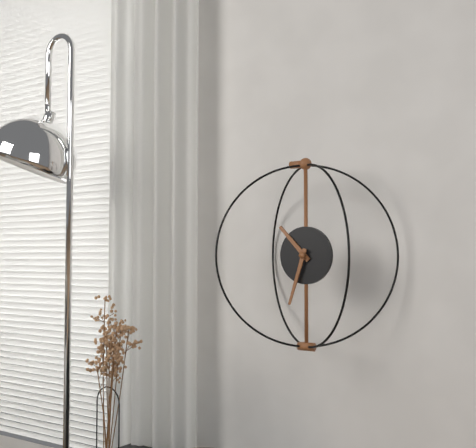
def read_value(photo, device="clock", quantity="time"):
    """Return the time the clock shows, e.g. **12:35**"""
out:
**10:33**
